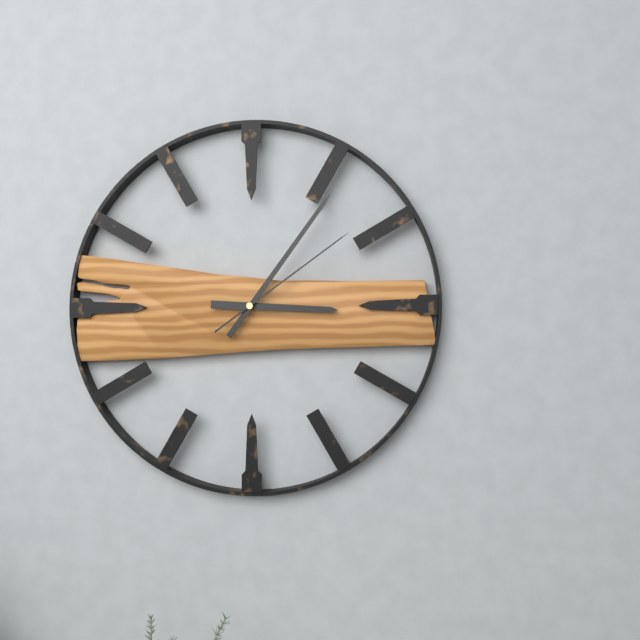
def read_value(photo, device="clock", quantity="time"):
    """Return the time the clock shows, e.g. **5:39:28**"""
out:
**3:06:09**
